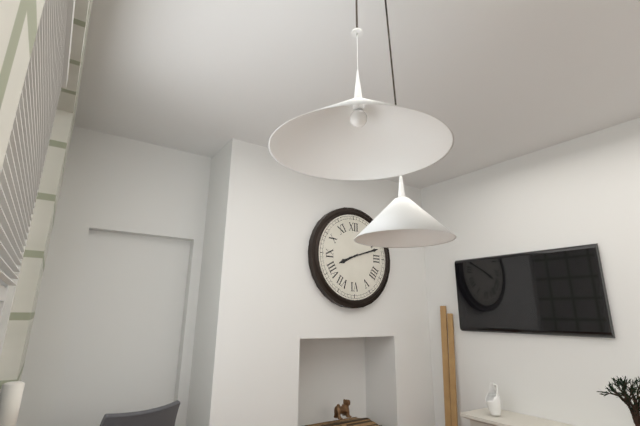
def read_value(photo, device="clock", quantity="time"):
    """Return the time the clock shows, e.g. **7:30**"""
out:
**8:12**
